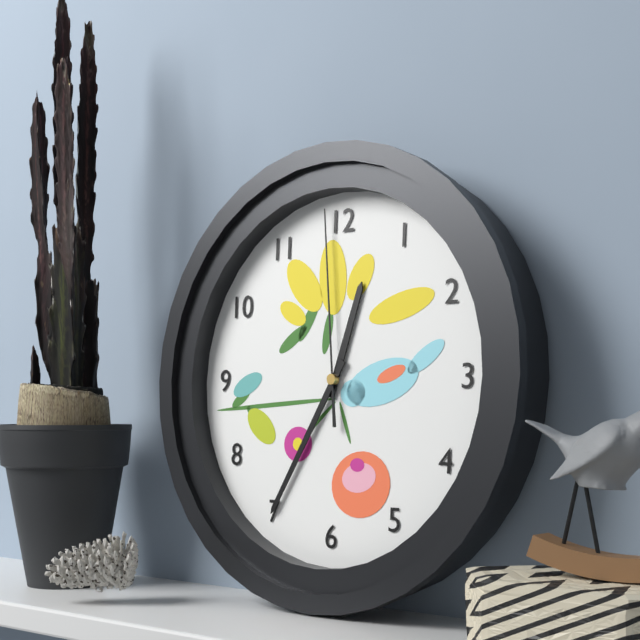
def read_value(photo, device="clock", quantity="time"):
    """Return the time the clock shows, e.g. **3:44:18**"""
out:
**12:35:59**
